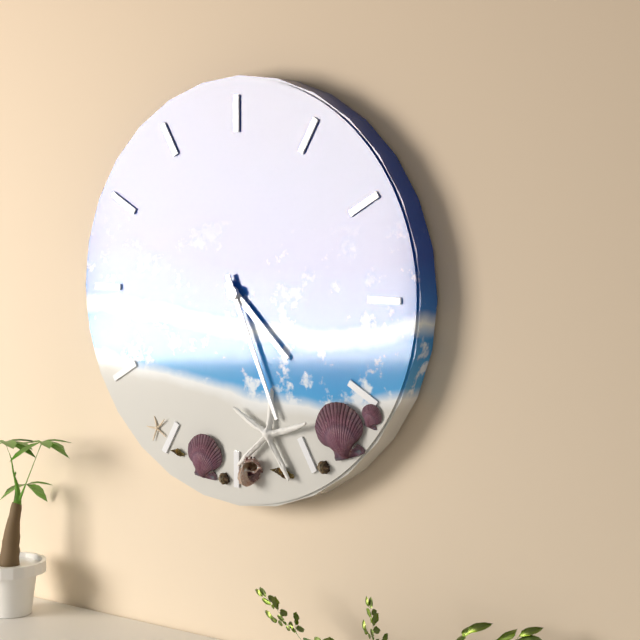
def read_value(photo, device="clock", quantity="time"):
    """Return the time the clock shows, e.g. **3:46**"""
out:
**4:26**
